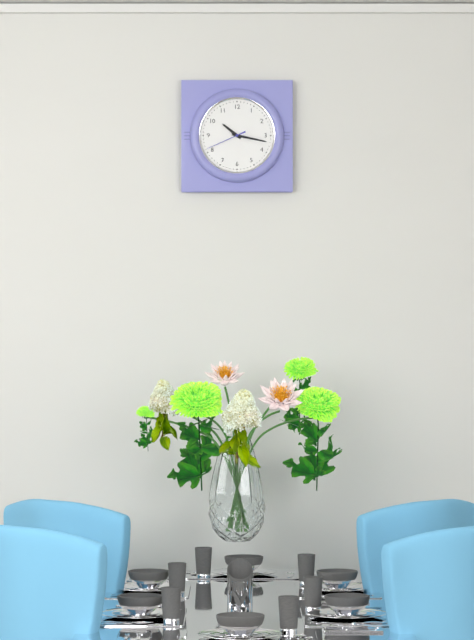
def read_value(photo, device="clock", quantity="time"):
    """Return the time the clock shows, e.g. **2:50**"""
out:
**10:17**
